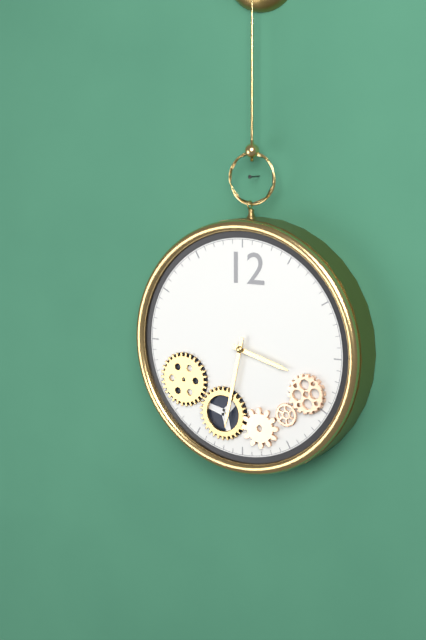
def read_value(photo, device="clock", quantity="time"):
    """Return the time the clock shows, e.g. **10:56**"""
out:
**3:32**
